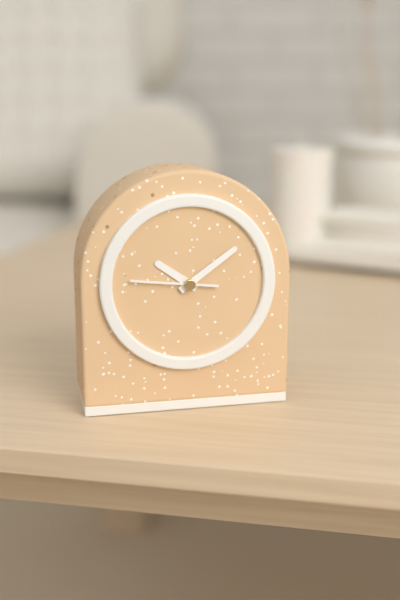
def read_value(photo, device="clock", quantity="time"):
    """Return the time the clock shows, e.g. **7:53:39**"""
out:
**10:09:46**
